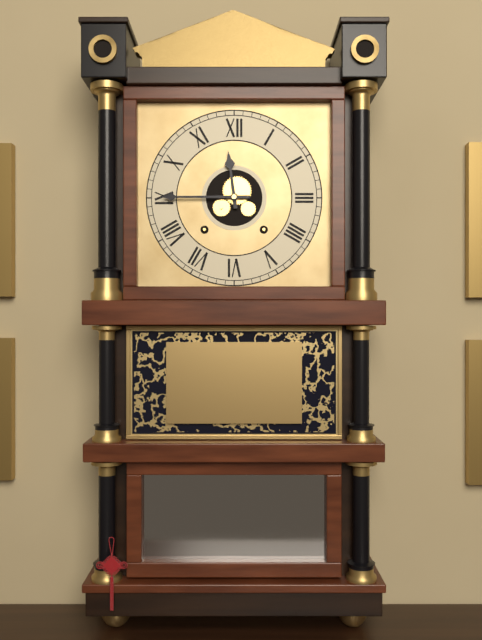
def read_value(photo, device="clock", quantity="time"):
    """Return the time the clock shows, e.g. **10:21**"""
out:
**11:45**
